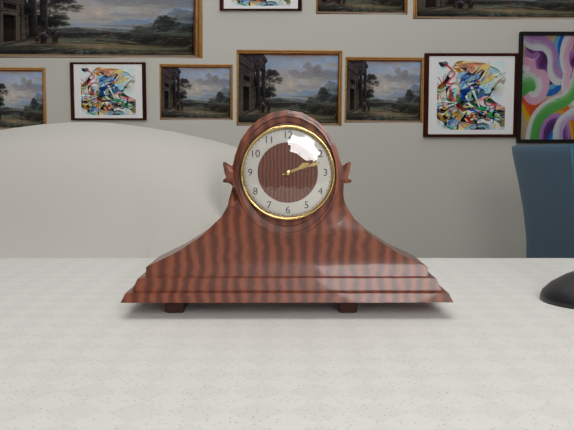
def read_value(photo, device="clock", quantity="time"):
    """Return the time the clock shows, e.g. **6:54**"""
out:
**2:12**
